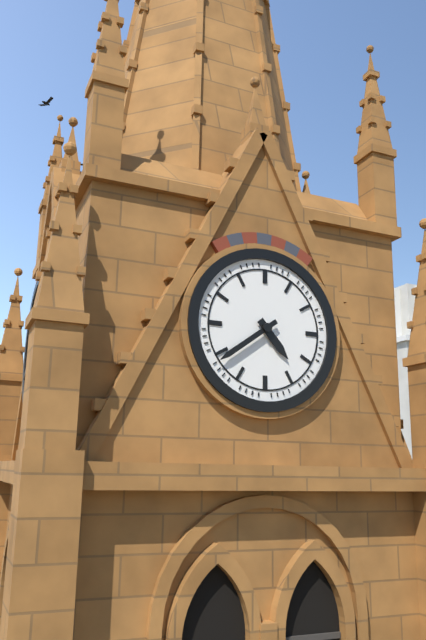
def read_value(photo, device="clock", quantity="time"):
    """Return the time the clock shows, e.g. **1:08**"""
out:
**4:39**
